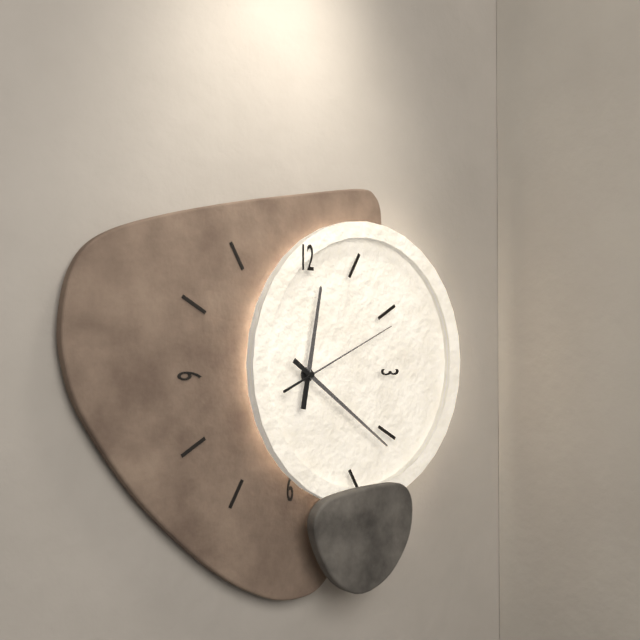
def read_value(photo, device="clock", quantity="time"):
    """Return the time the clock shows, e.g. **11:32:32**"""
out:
**12:21:11**
